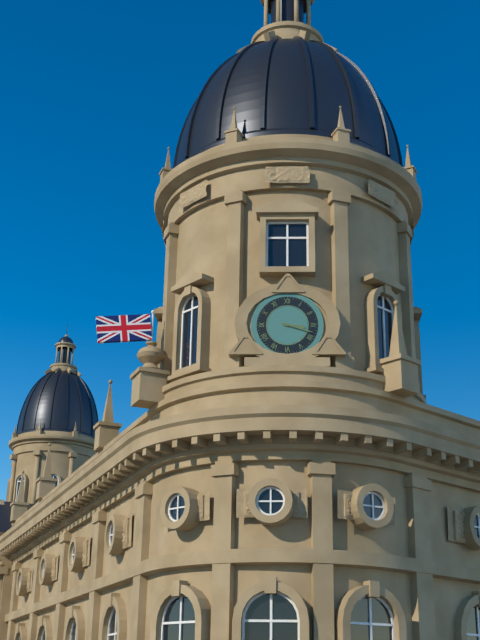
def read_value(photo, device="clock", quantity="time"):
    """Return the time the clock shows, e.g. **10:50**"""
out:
**3:18**
